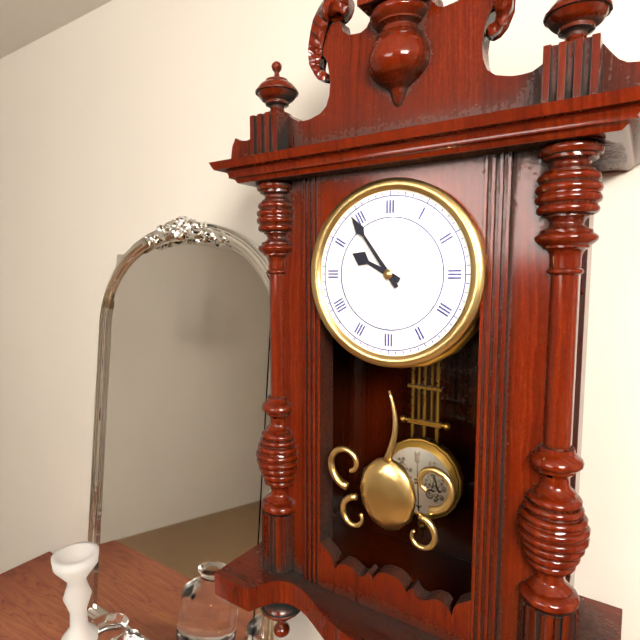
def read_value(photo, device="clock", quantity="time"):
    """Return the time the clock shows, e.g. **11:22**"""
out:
**9:54**
